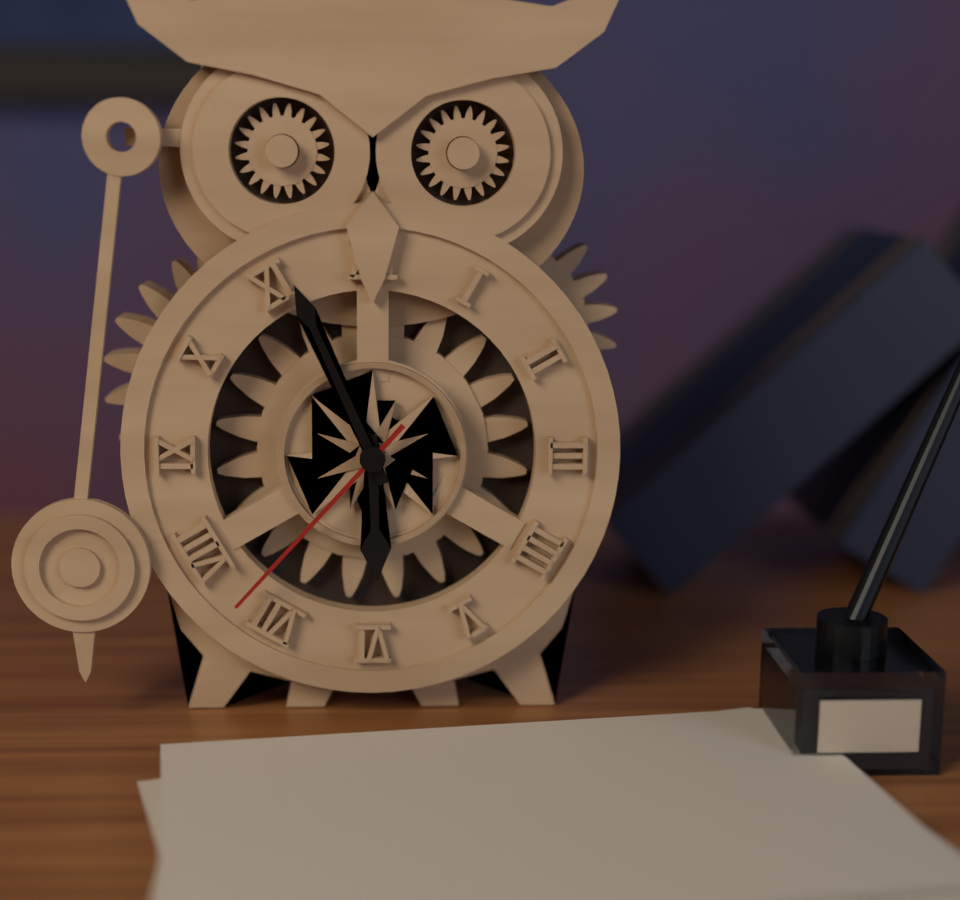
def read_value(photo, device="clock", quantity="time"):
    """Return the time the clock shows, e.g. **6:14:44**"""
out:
**5:56:37**
